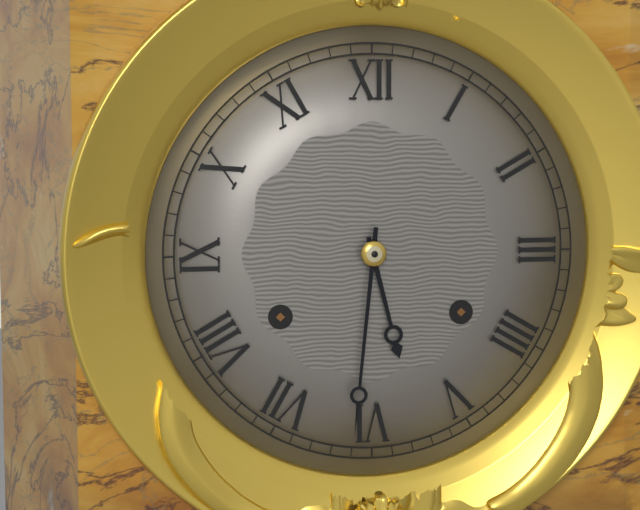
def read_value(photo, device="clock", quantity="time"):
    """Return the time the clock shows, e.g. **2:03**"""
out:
**5:31**
